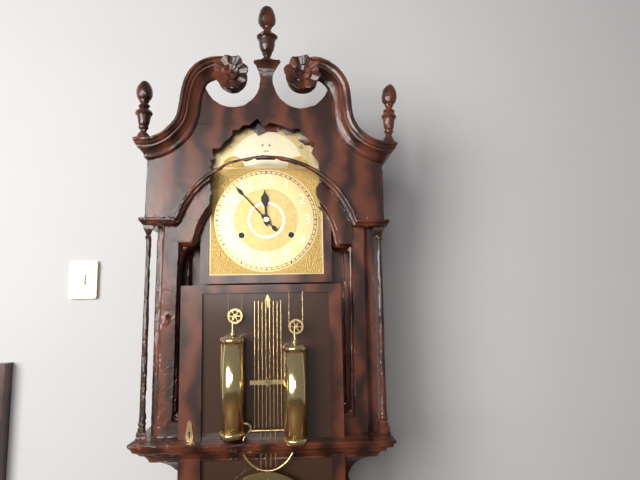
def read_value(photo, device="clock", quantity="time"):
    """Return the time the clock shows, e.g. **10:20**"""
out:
**11:53**
